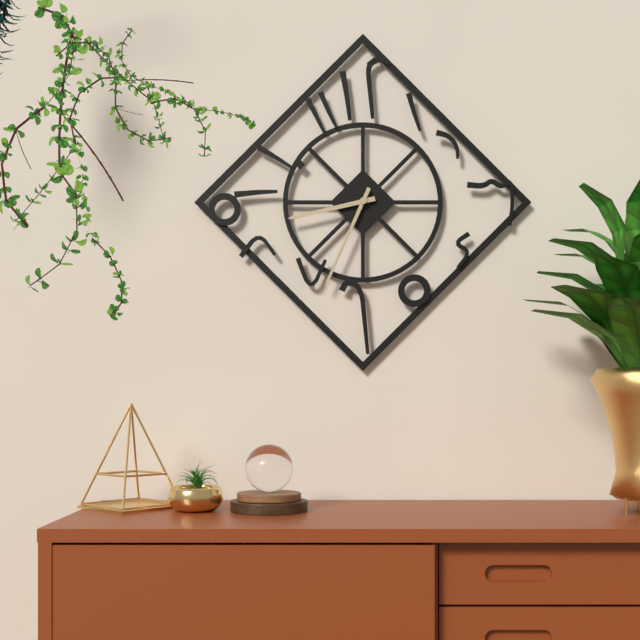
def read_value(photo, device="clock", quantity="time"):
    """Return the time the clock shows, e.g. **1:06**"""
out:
**8:34**
